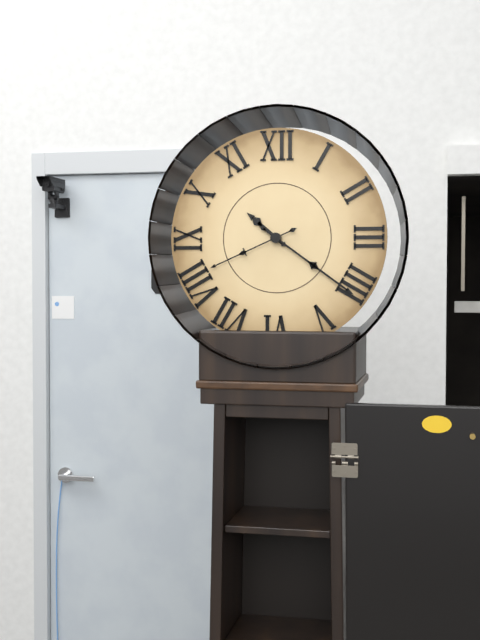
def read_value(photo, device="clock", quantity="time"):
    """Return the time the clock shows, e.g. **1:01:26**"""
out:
**10:21:41**
